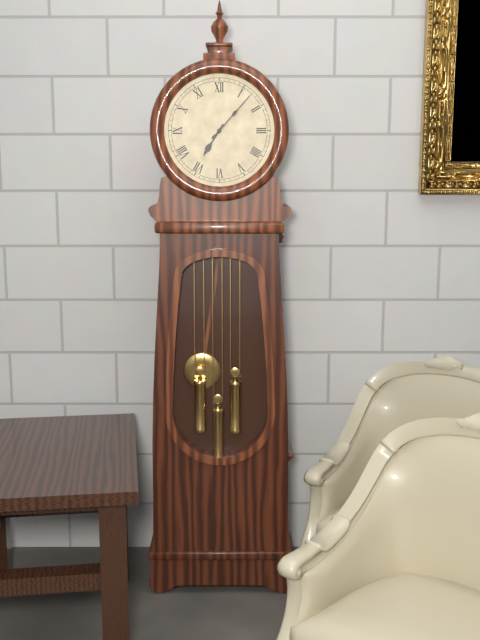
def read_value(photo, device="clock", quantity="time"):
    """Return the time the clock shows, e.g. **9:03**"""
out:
**7:07**
